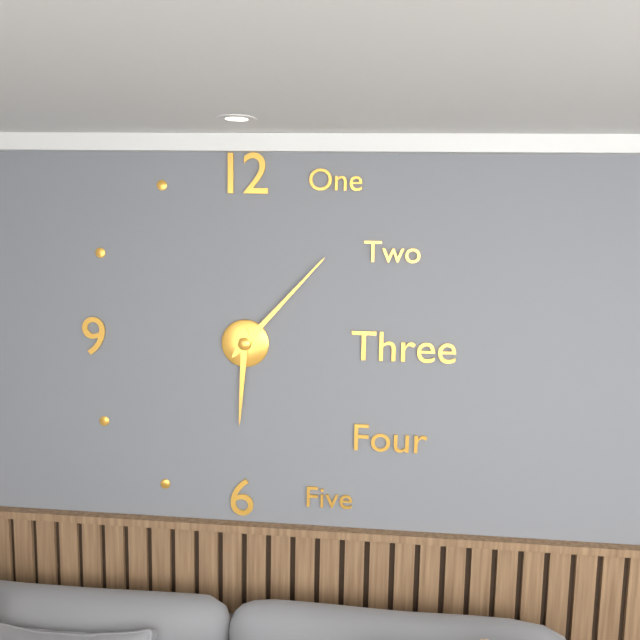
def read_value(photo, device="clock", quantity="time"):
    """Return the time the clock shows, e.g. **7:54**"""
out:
**6:07**
